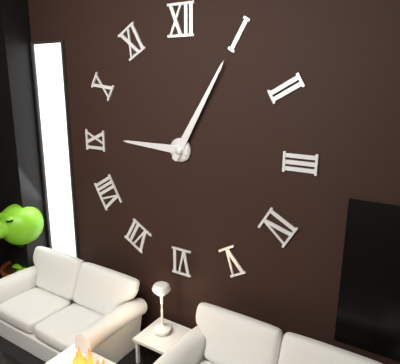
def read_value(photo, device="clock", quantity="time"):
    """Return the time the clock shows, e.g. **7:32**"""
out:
**9:05**
